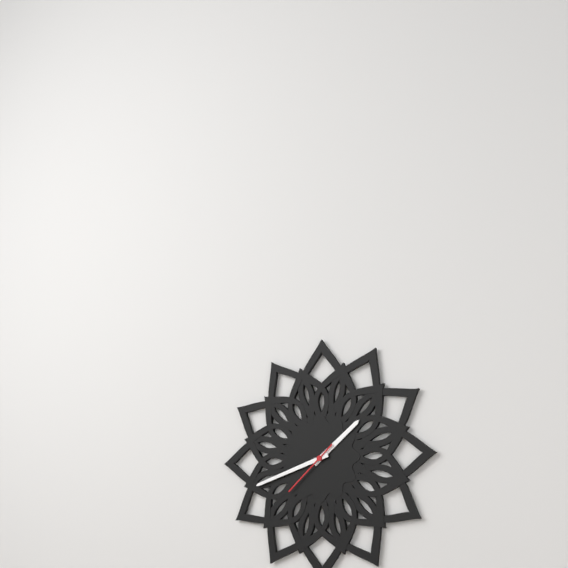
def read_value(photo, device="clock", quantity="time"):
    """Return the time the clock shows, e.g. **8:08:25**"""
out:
**1:42:38**
